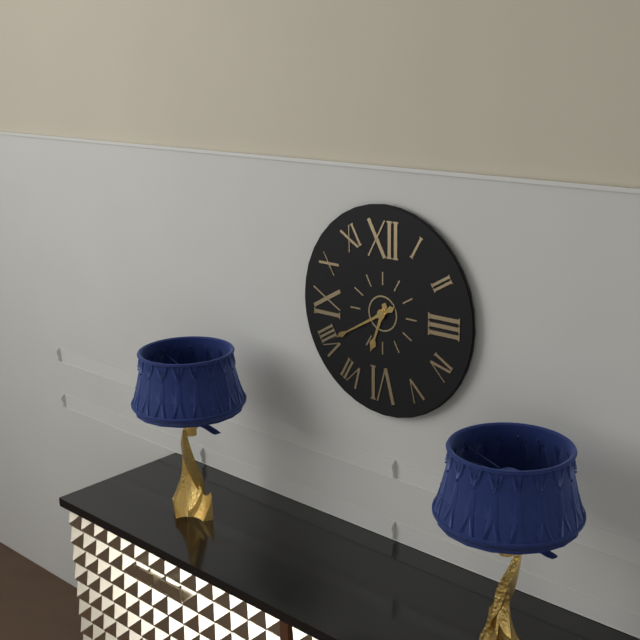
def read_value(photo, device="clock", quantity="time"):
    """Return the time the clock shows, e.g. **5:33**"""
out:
**6:40**
